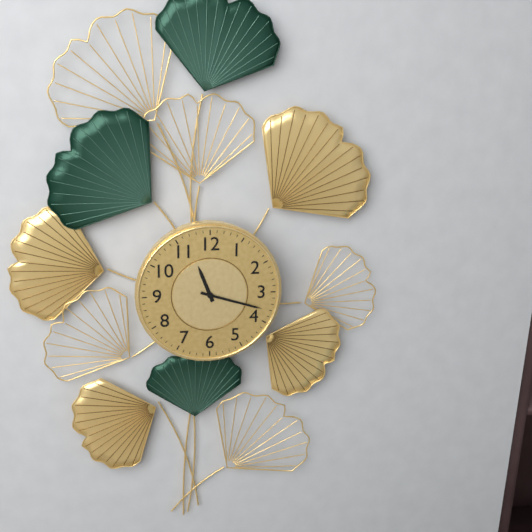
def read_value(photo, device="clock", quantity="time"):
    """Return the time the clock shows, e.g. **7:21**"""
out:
**11:18**
